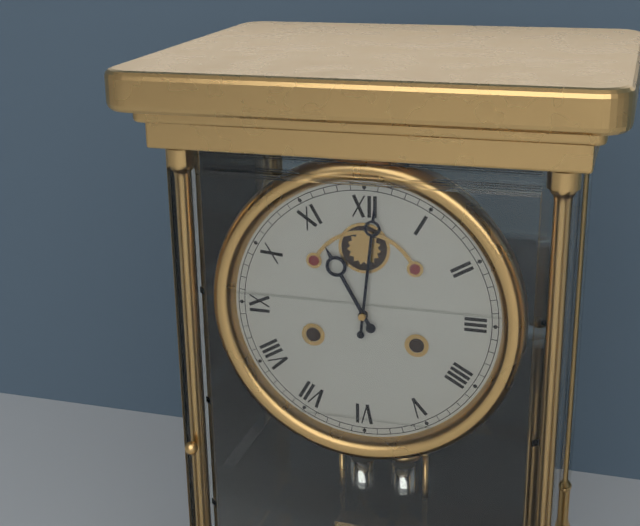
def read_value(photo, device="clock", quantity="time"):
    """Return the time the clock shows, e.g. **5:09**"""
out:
**11:01**
